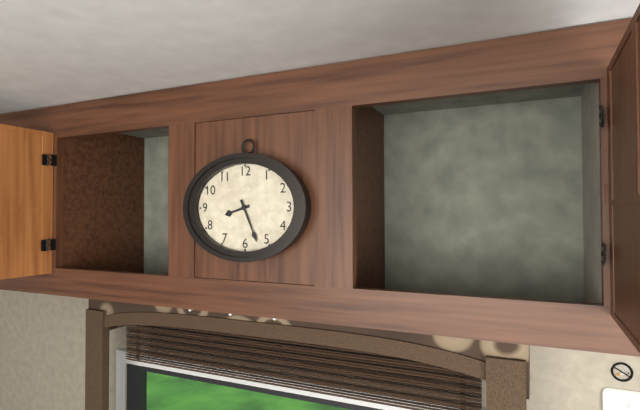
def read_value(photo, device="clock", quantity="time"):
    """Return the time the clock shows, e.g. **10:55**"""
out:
**8:26**
